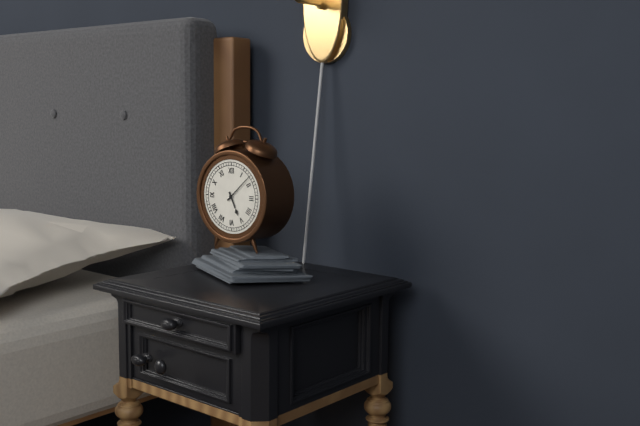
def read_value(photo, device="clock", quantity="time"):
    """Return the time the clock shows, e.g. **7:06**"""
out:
**5:08**
